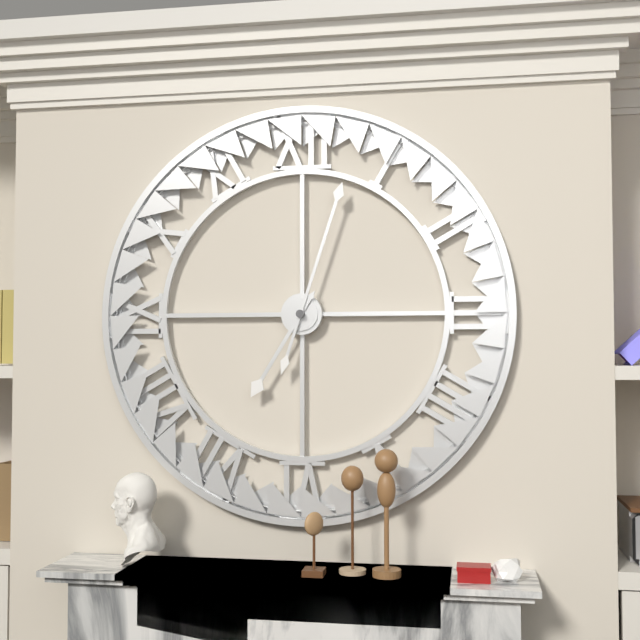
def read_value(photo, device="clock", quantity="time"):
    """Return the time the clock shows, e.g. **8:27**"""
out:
**7:03**
